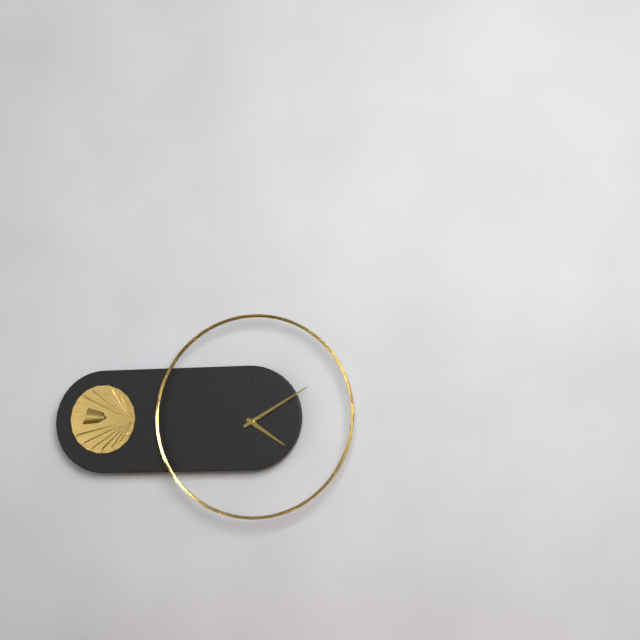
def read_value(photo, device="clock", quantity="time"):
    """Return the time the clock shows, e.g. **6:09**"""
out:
**4:10**
